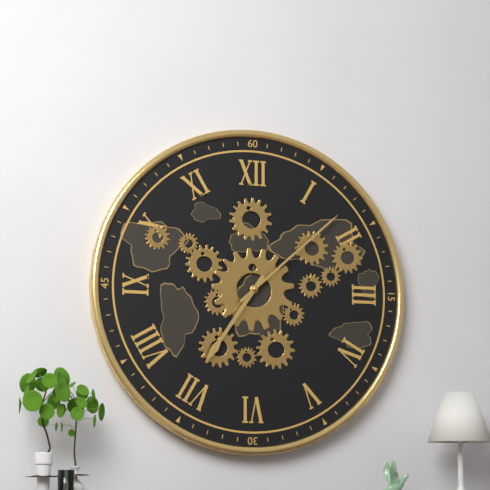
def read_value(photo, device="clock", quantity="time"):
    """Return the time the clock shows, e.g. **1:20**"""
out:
**7:08**
